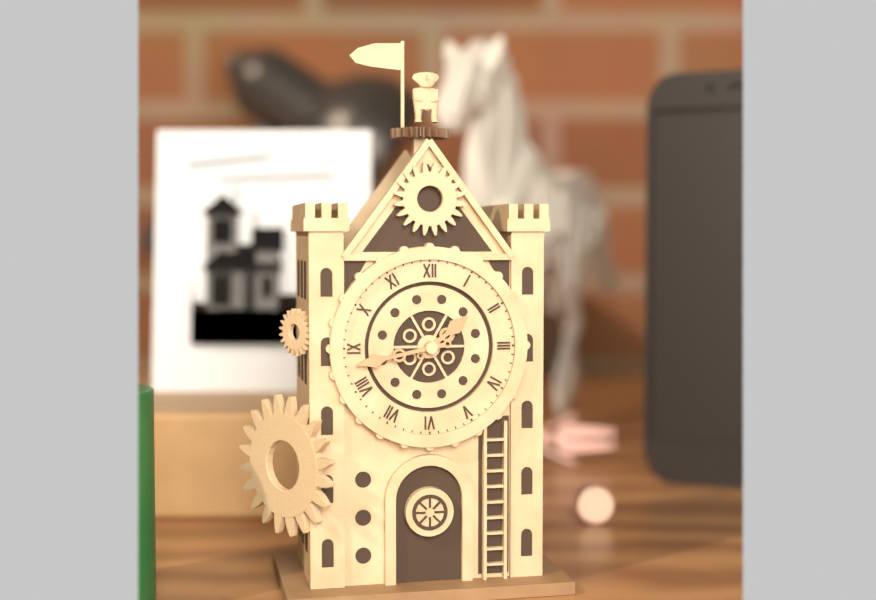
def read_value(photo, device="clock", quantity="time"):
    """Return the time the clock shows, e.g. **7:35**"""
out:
**1:43**
